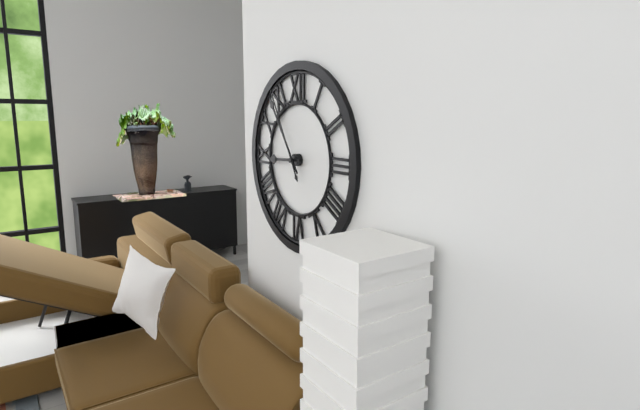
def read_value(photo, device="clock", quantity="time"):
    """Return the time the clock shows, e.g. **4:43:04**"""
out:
**8:54:55**
